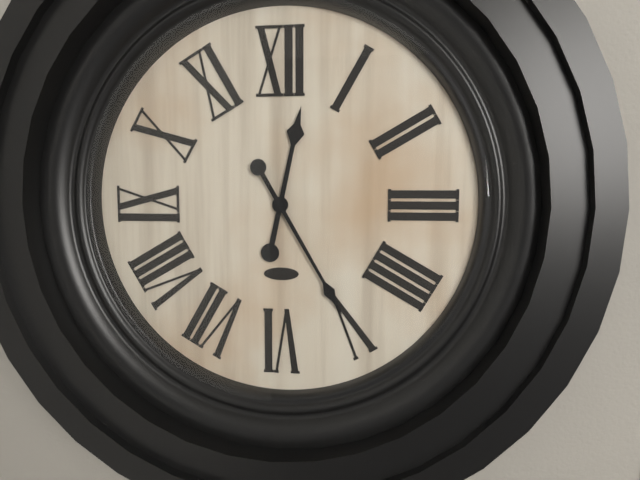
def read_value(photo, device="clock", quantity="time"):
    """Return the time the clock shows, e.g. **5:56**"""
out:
**12:25**
